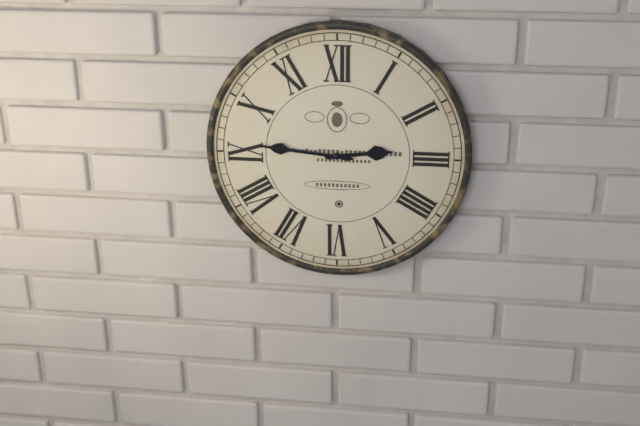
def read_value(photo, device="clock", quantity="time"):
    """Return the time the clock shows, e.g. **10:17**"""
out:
**2:46**
